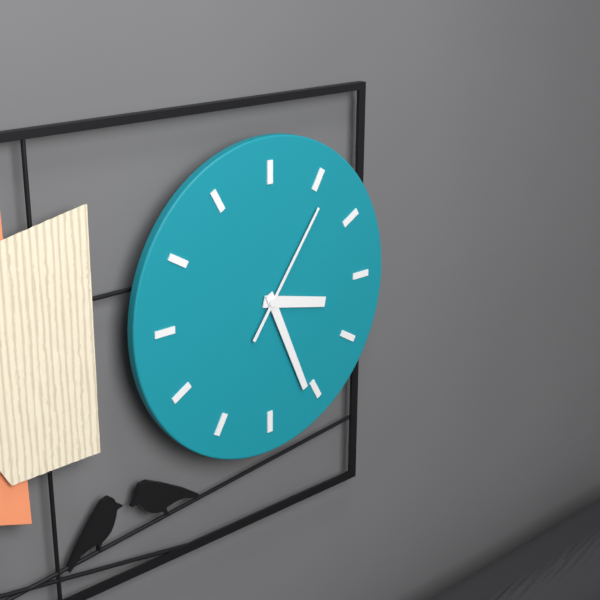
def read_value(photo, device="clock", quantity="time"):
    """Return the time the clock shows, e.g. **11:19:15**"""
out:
**3:26:06**
